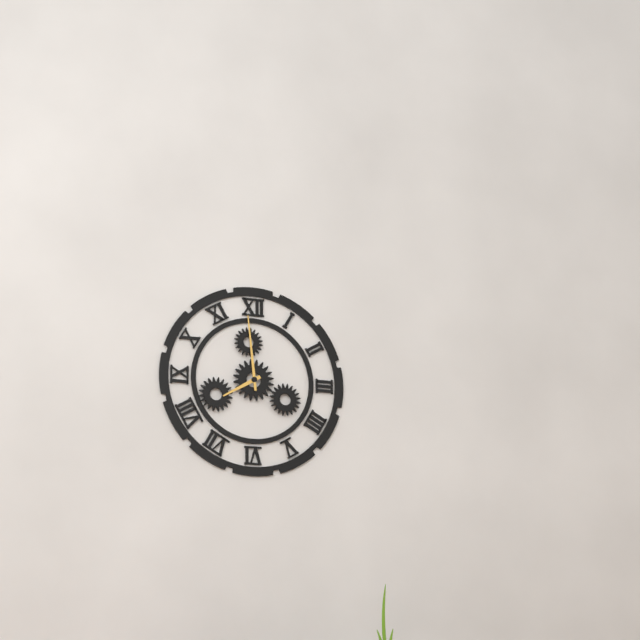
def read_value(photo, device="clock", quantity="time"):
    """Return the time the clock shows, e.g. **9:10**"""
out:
**7:59**
